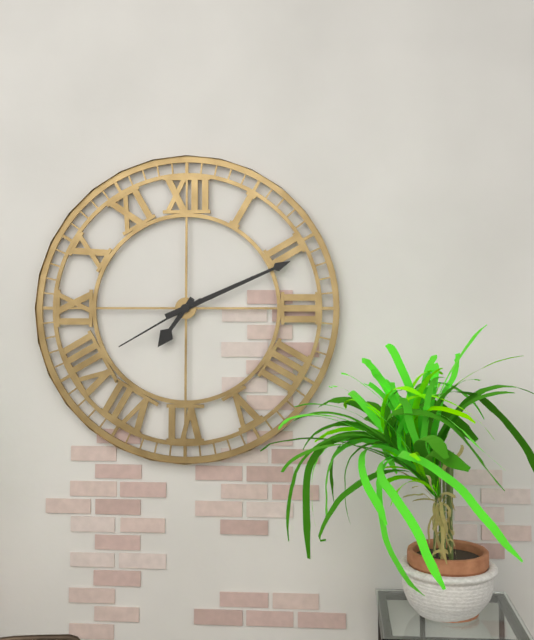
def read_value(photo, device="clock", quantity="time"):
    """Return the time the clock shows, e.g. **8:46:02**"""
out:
**7:11:40**
